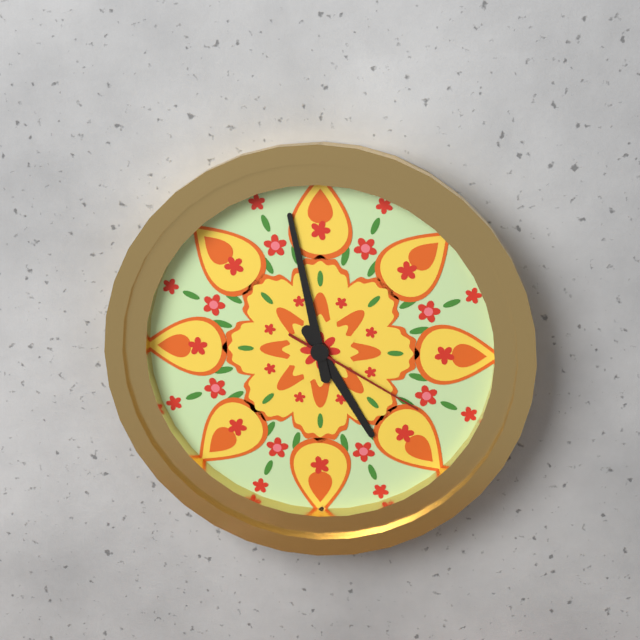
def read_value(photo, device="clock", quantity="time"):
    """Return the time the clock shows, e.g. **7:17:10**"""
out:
**4:58:20**
